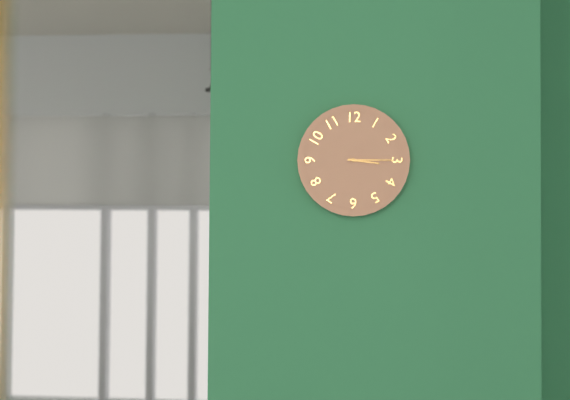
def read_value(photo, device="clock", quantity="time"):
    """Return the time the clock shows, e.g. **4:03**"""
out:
**3:15**
